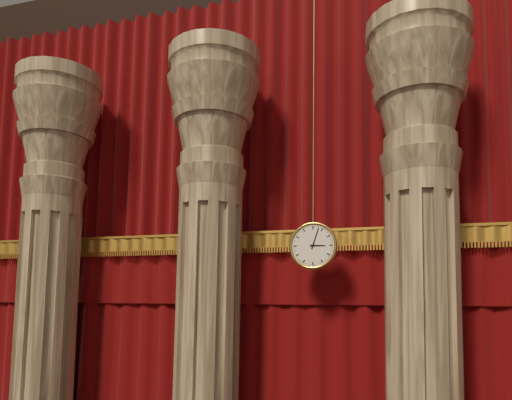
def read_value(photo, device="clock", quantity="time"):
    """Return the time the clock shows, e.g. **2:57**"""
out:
**3:03**
